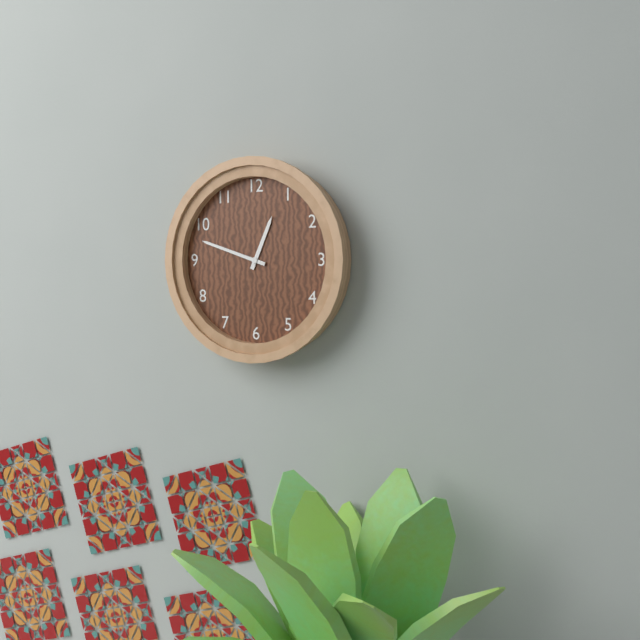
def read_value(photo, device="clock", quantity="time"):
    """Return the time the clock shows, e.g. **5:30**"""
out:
**12:48**
